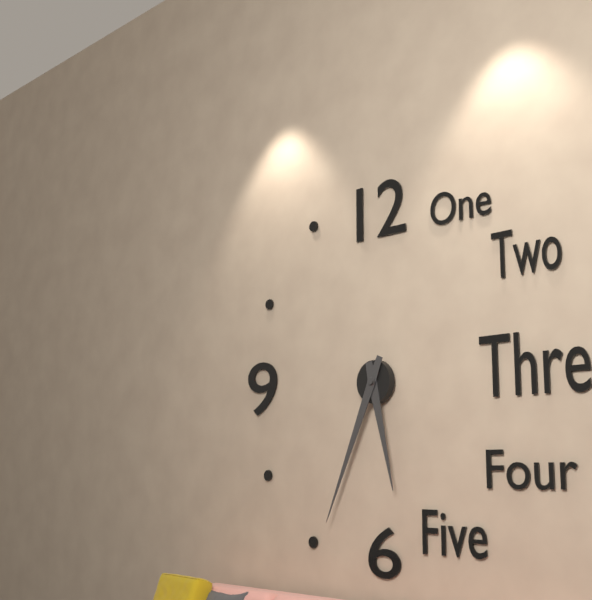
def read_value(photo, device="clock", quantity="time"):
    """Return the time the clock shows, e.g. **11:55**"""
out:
**5:34**
